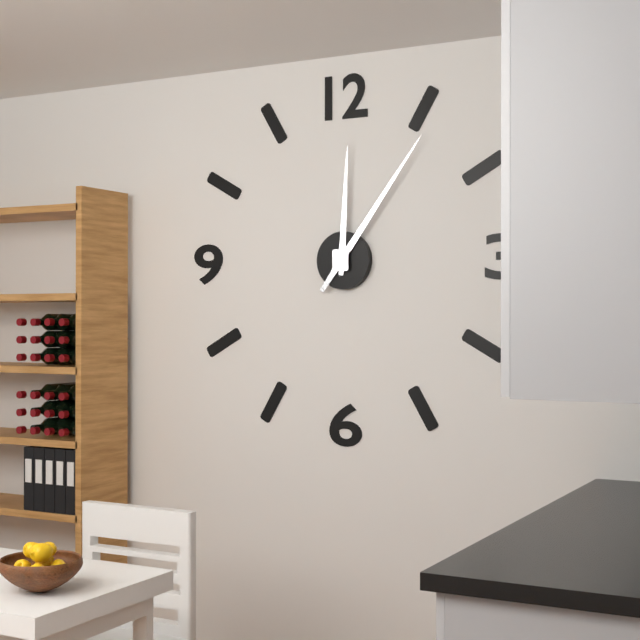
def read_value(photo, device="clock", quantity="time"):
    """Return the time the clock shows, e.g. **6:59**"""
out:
**12:06**
